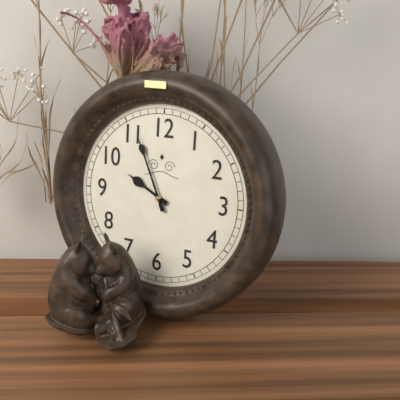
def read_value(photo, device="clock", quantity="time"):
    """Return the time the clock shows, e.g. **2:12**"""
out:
**9:56**
